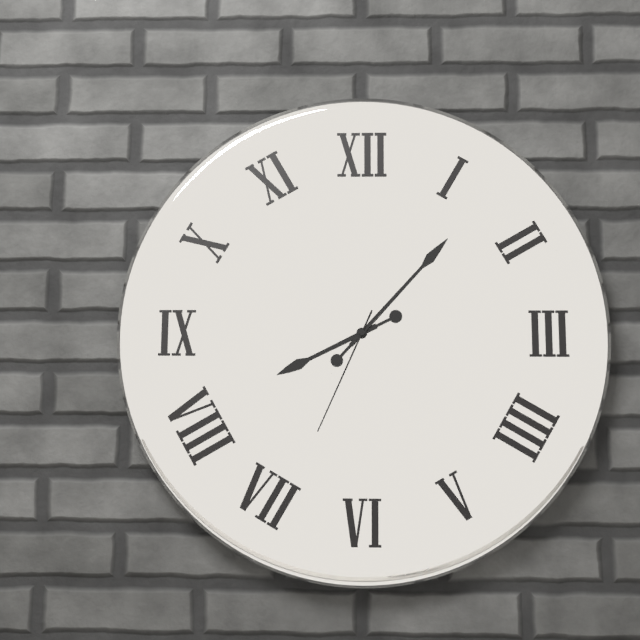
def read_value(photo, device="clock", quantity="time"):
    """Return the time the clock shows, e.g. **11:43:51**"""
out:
**8:07:34**
